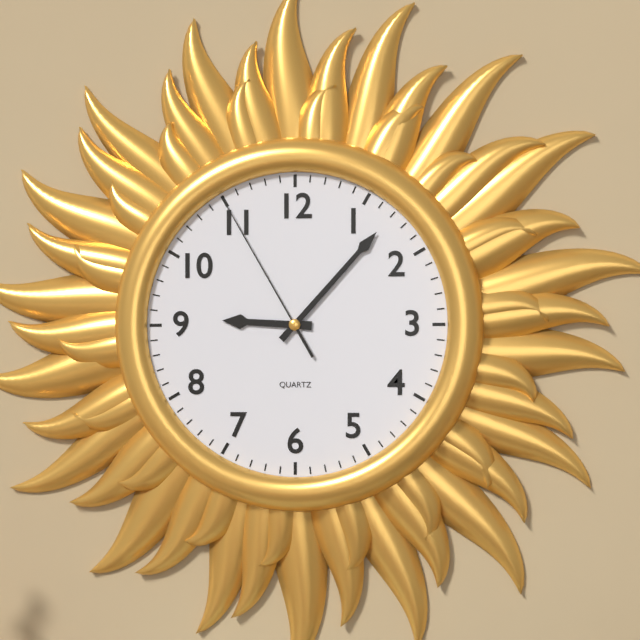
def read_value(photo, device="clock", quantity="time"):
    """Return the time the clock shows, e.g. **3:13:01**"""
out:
**9:07:55**
